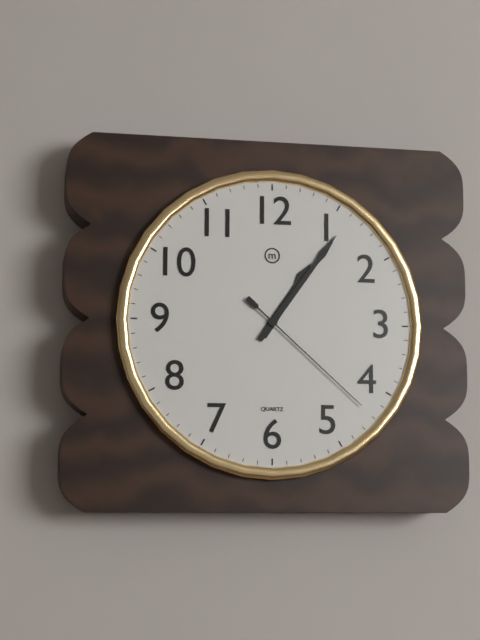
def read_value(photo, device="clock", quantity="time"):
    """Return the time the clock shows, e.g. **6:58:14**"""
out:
**1:06:22**
